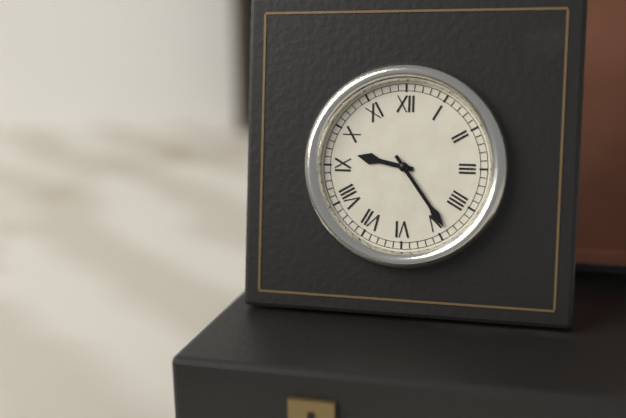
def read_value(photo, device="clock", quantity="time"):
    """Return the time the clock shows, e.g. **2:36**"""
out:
**9:24**
